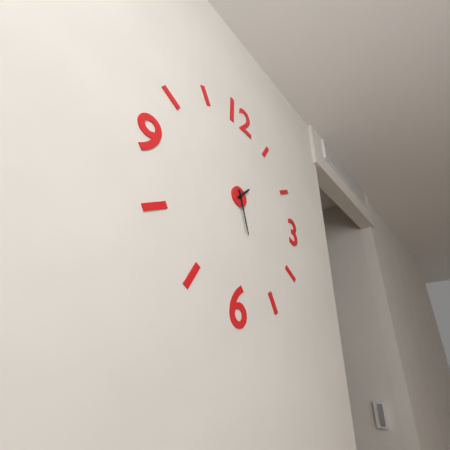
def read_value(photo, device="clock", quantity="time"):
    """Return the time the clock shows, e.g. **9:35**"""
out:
**1:27**
